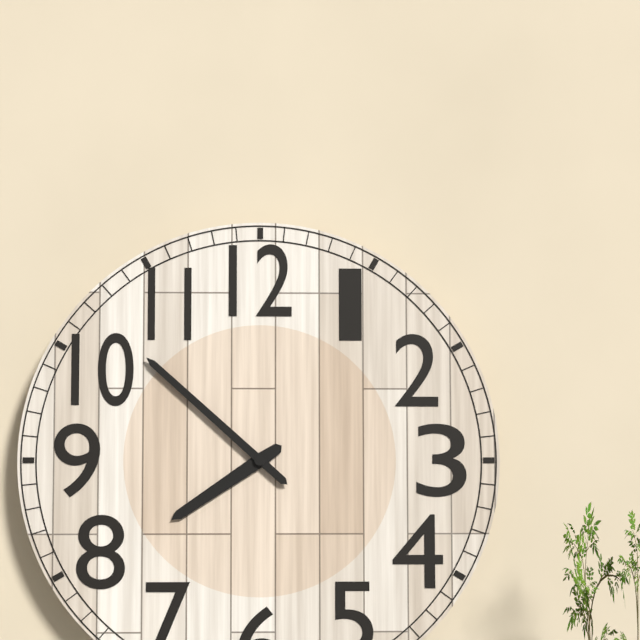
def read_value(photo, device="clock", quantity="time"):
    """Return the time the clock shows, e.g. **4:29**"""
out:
**7:52**
